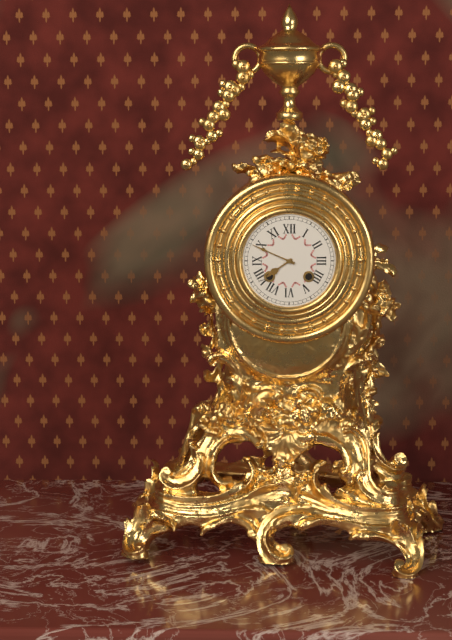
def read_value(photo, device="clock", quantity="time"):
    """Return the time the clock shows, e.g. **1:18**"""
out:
**7:49**
